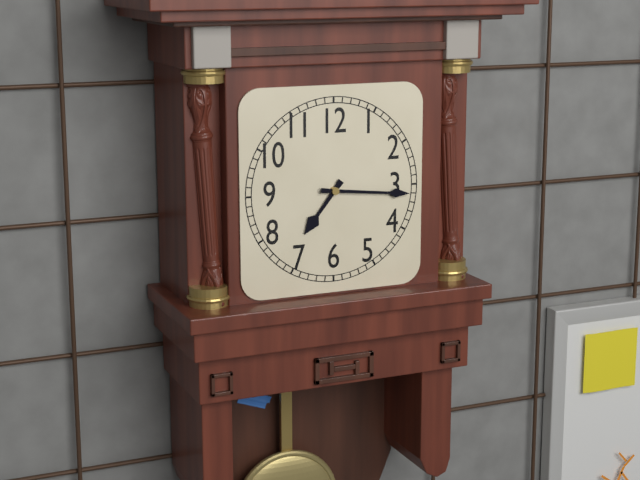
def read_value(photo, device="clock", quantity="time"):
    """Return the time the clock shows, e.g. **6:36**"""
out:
**7:16**
